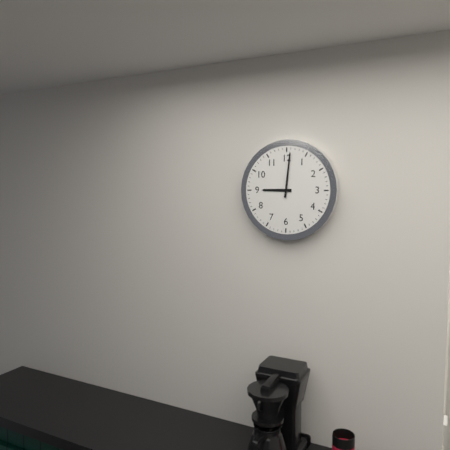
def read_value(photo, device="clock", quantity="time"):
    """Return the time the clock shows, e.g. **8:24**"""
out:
**9:01**
